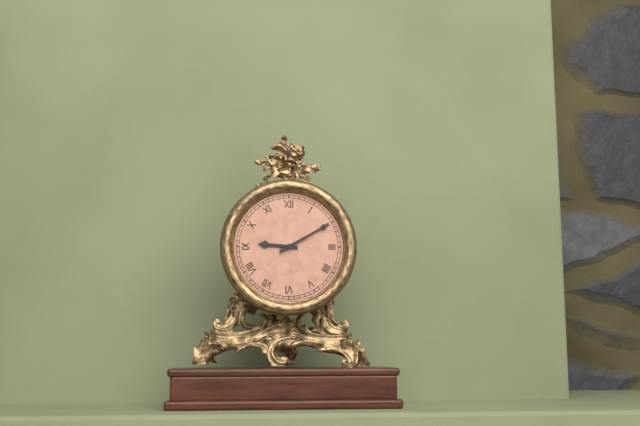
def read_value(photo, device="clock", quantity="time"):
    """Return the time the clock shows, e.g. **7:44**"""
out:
**9:10**
